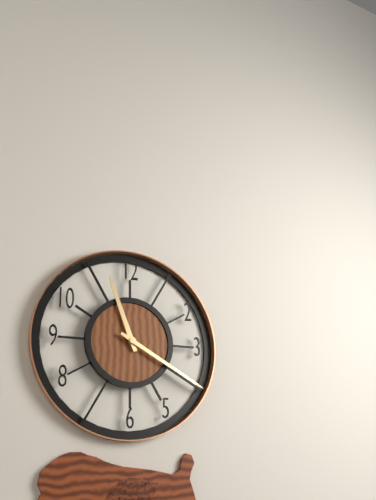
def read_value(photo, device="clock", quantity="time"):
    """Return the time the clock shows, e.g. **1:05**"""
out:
**11:20**
